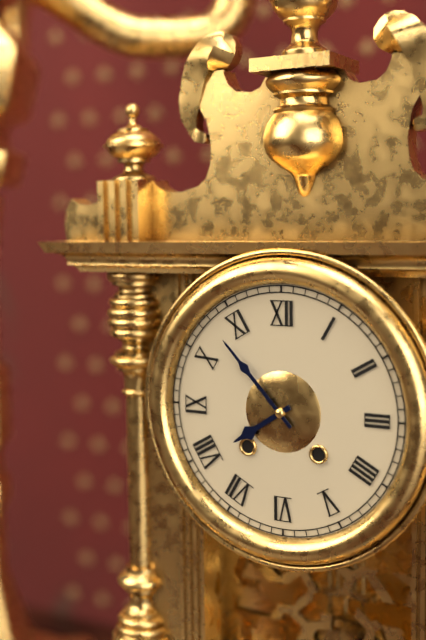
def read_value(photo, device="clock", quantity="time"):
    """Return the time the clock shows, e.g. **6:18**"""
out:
**7:53**
